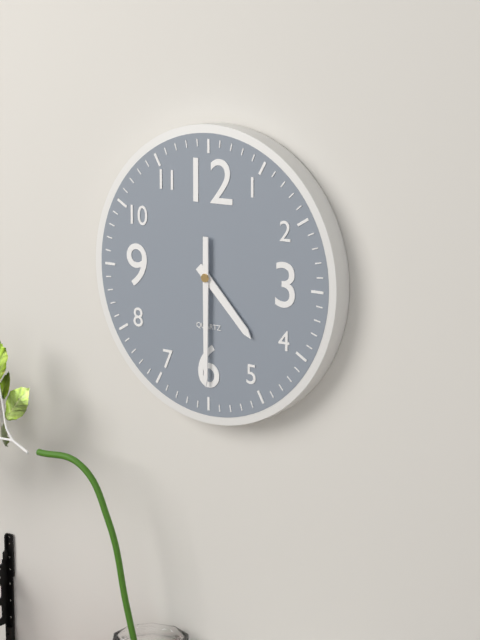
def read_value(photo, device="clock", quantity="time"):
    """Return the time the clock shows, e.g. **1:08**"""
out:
**4:30**
